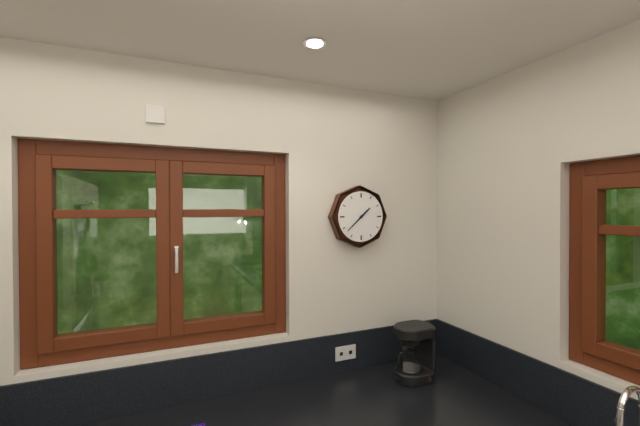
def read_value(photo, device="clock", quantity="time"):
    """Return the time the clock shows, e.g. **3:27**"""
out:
**1:38**
